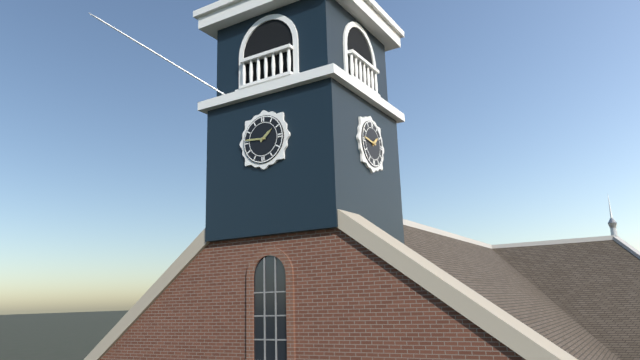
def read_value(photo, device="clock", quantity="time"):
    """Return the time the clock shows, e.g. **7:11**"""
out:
**1:46**
